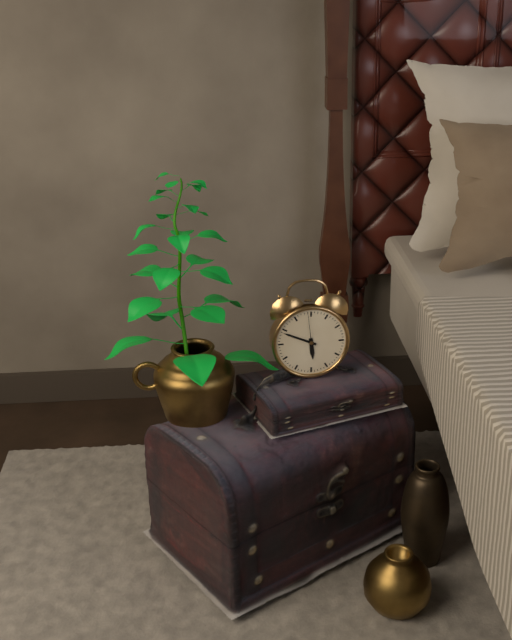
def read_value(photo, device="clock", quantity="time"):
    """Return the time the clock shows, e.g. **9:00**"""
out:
**5:49**
